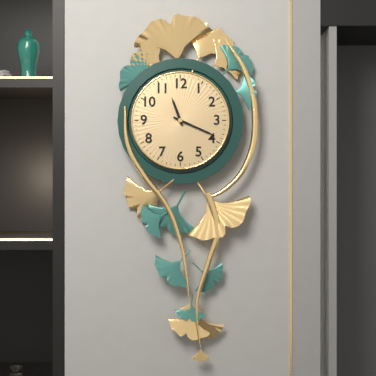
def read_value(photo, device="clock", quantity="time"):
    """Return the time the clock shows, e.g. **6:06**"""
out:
**11:19**
